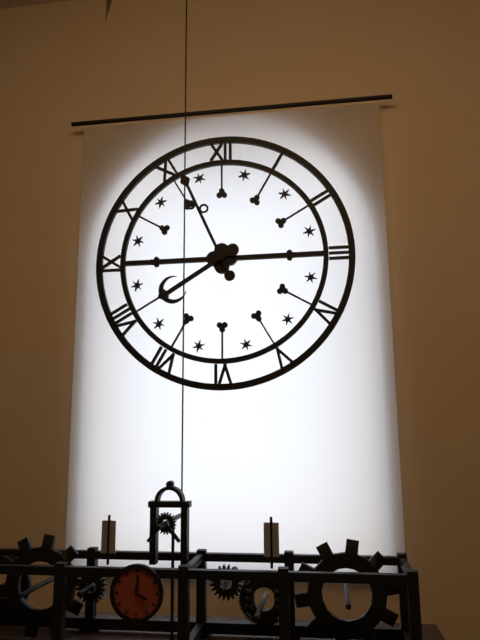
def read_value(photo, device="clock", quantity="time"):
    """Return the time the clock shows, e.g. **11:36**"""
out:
**7:56**
